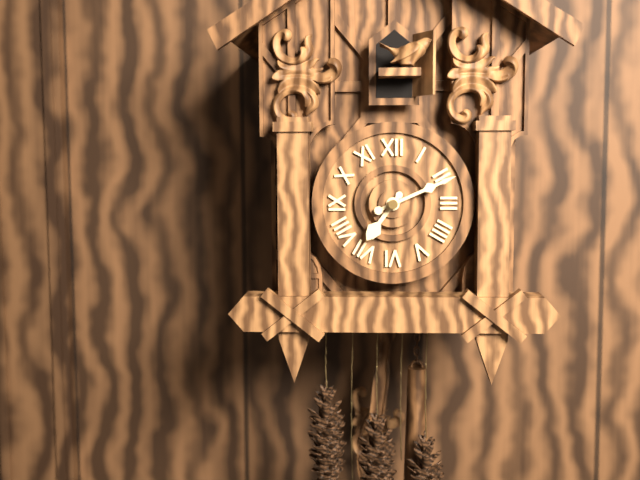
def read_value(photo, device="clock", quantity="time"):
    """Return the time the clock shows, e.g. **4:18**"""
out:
**7:11**
